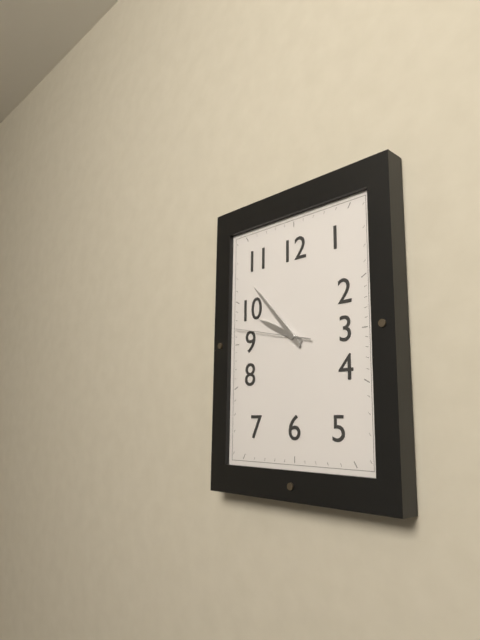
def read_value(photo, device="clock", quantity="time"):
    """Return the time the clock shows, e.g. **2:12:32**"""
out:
**9:53:47**
